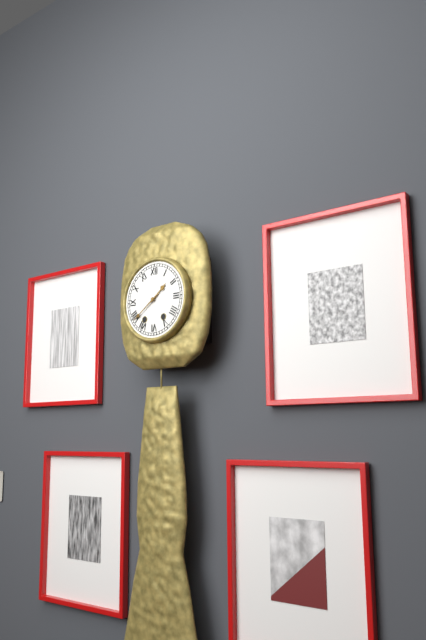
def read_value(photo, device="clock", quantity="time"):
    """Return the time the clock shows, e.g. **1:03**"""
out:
**1:39**
